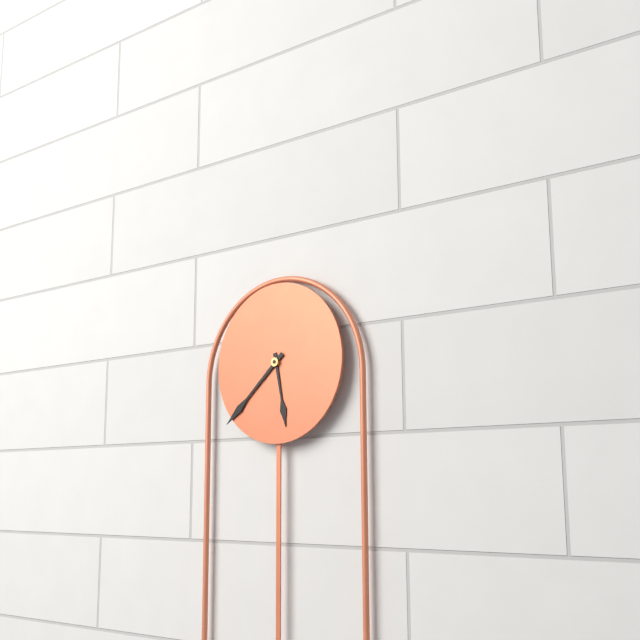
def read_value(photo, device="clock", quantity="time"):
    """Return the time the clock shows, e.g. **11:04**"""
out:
**5:38**
